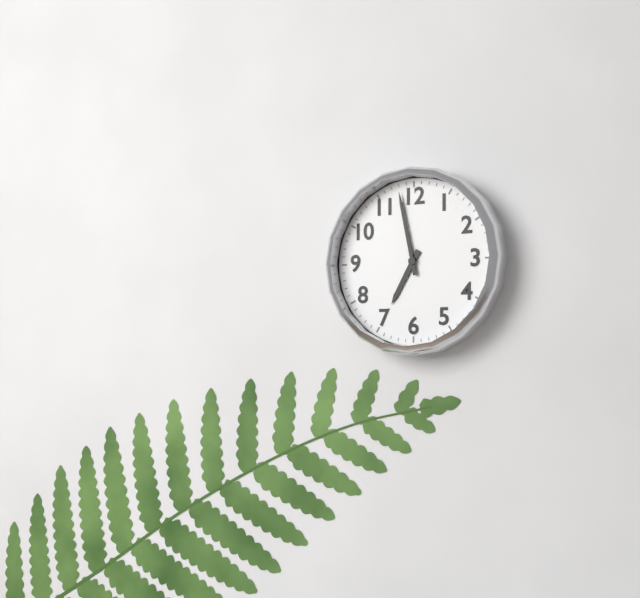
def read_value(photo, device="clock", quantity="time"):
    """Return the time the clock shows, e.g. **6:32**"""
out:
**6:58**
